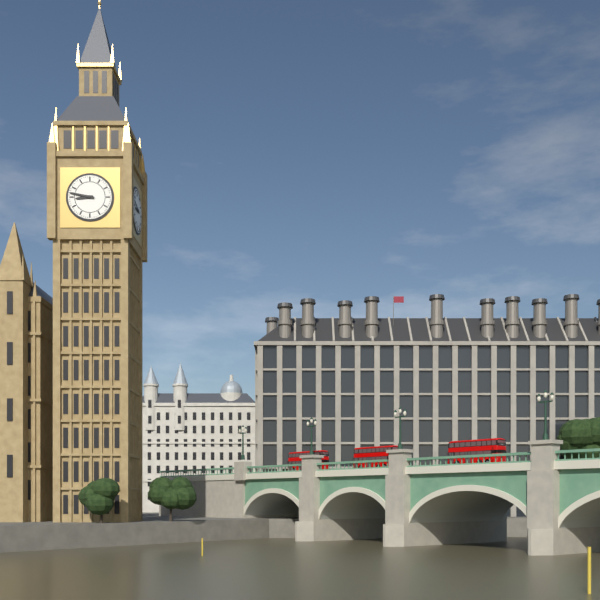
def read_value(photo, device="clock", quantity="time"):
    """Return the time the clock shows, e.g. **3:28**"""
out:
**8:47**
